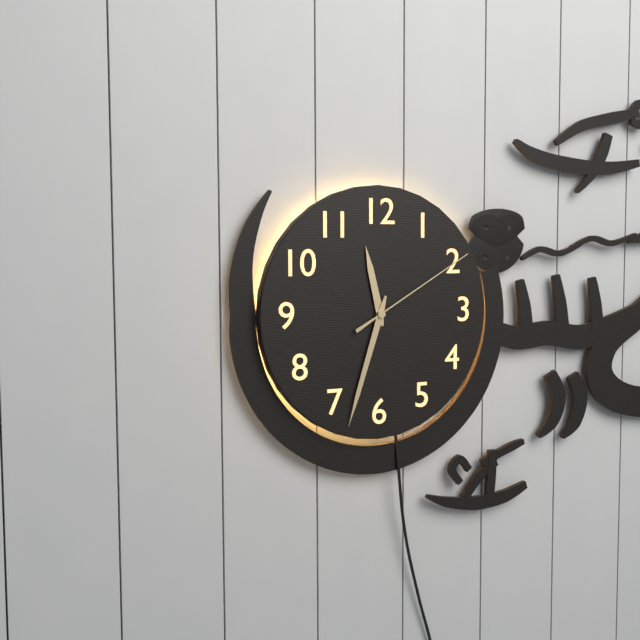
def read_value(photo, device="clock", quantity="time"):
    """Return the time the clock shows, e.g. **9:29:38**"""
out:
**11:33:10**
